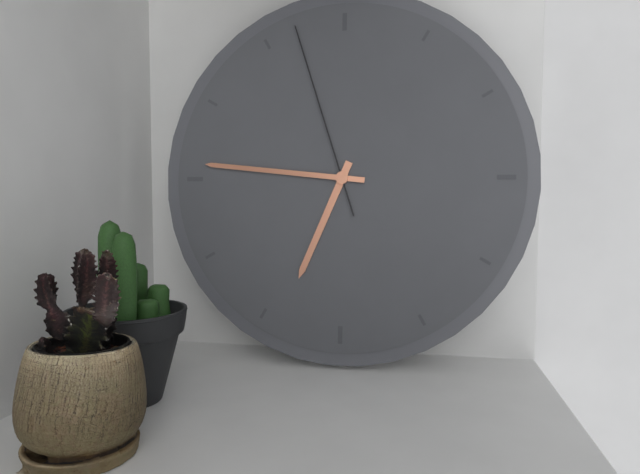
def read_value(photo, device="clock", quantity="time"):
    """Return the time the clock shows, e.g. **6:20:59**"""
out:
**6:46:57**
